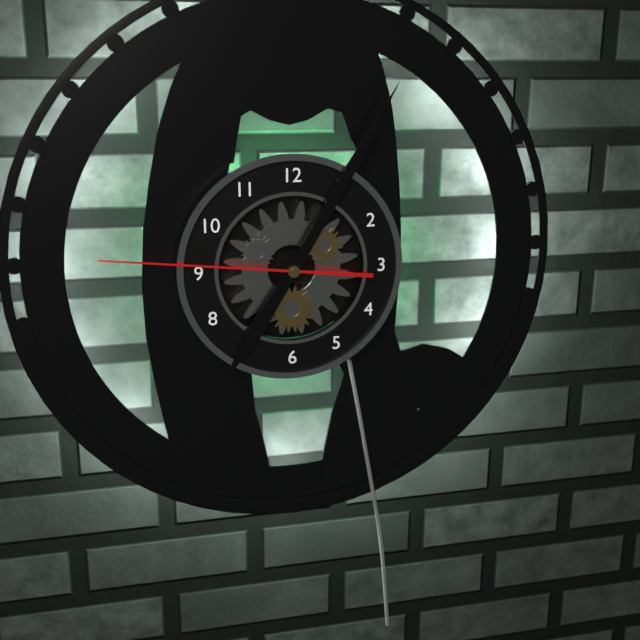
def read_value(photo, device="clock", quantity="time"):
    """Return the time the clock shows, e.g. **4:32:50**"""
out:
**7:05:46**
